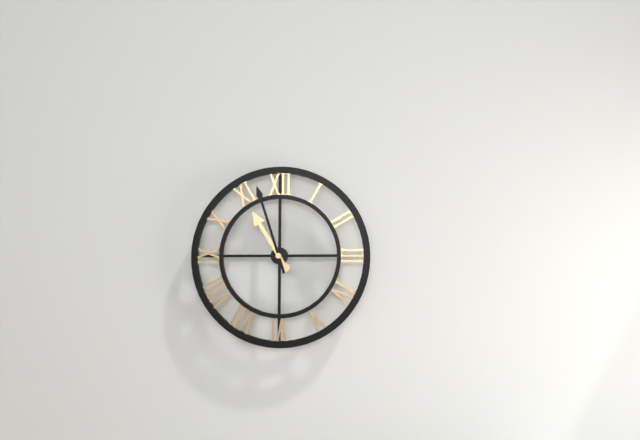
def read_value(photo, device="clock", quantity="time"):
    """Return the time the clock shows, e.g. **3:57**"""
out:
**10:57**
